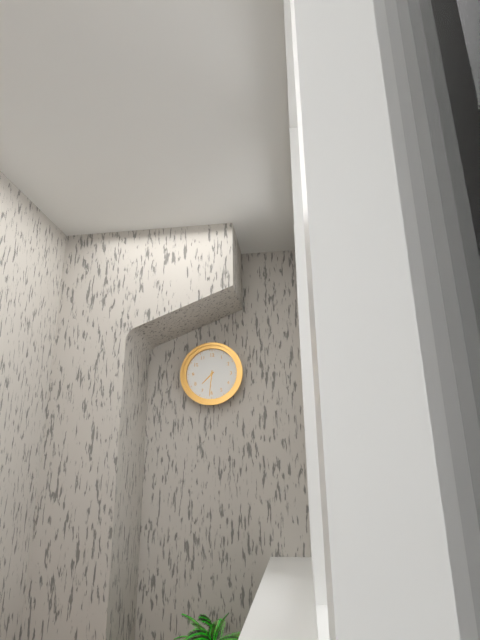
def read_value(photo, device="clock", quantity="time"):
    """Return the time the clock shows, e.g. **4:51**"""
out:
**7:31**
